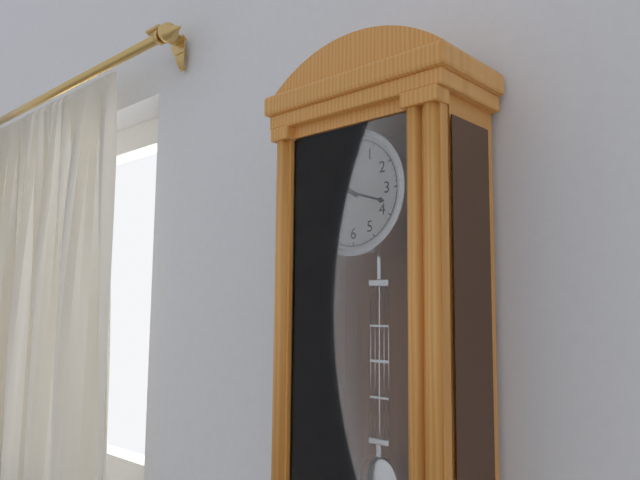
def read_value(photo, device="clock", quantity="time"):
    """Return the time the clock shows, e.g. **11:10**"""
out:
**10:18**
